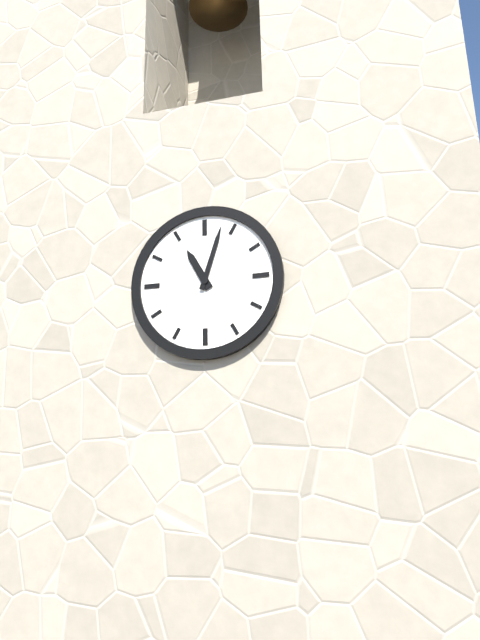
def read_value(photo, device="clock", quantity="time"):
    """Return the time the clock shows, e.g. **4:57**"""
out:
**11:03**
